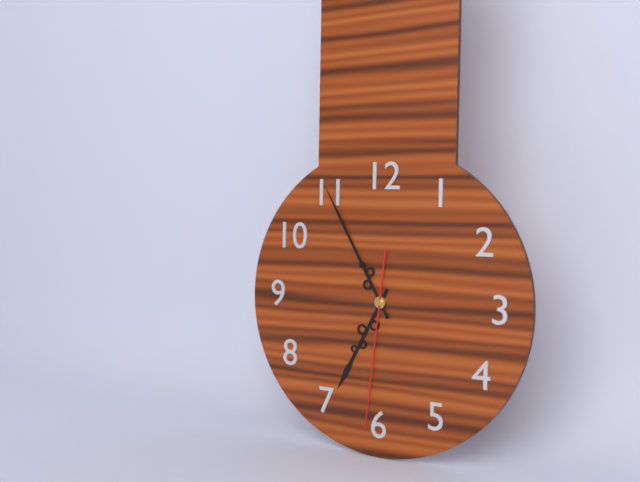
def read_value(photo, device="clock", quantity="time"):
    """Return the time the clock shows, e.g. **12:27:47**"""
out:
**6:55:31**
